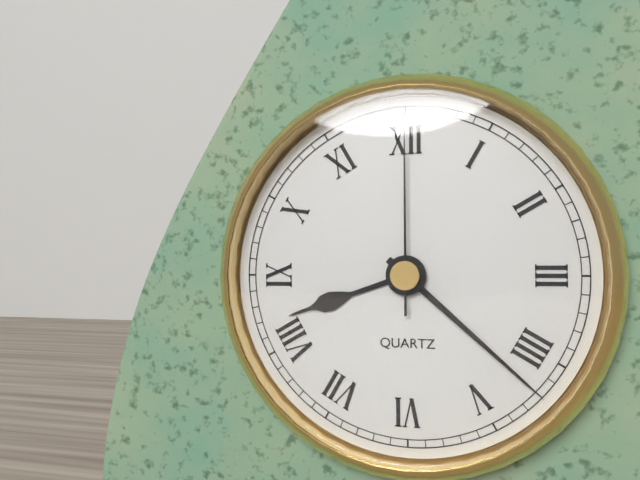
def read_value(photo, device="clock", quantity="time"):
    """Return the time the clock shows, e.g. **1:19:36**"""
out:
**8:22:00**
